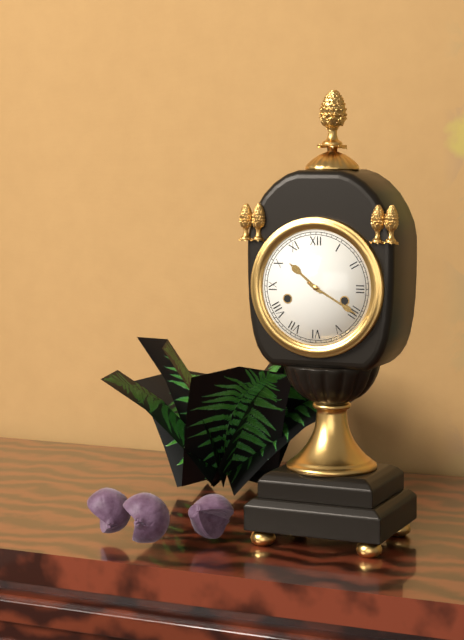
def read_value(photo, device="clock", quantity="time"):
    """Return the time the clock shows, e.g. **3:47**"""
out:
**10:20**
